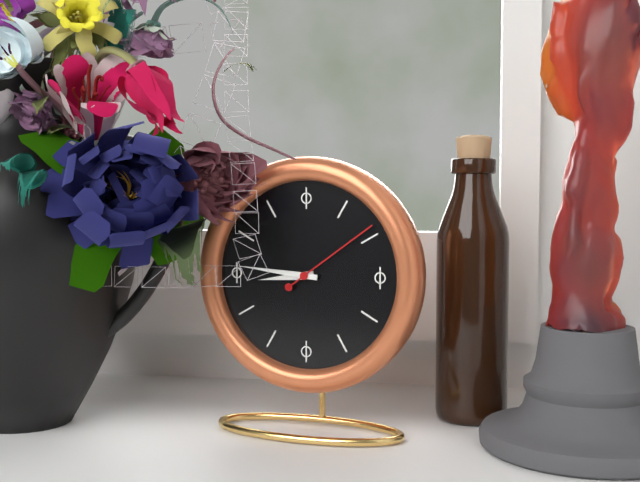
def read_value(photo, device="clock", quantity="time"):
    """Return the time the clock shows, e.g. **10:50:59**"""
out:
**8:46:09**
